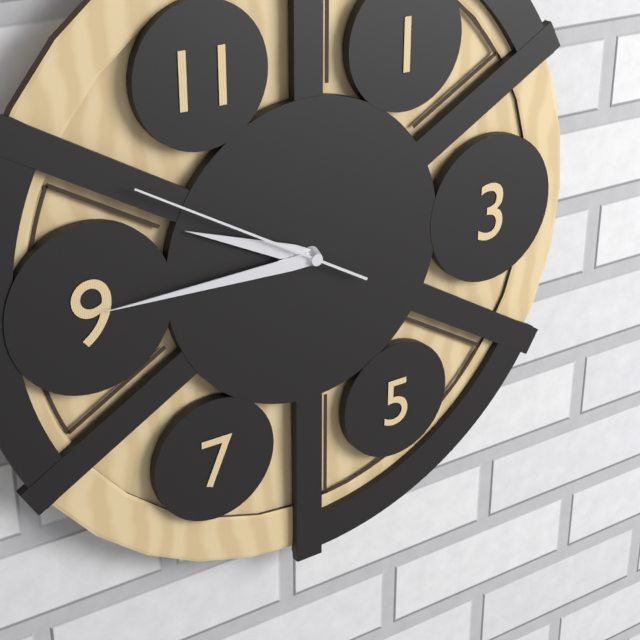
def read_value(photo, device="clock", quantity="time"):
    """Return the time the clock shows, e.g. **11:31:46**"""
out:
**9:45:50**
